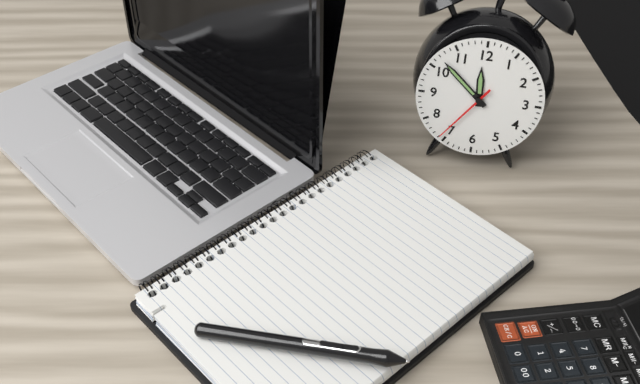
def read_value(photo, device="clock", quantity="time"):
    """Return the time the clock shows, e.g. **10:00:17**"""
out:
**11:52:36**
